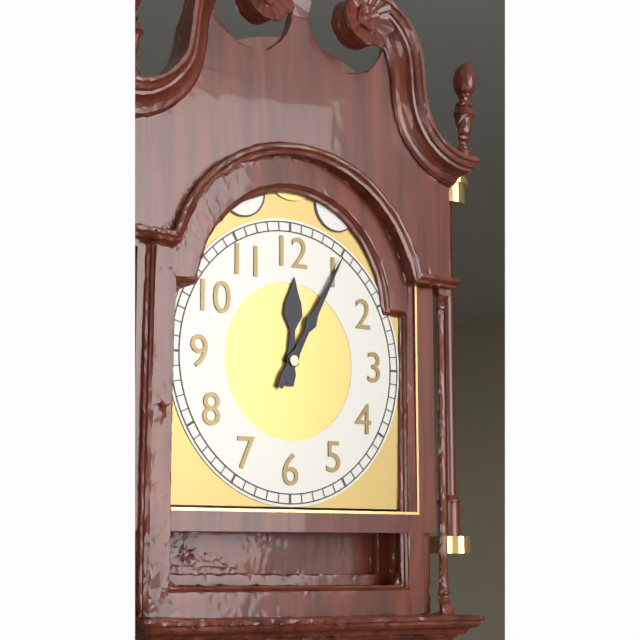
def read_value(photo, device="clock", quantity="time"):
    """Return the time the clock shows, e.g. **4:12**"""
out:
**12:05**
